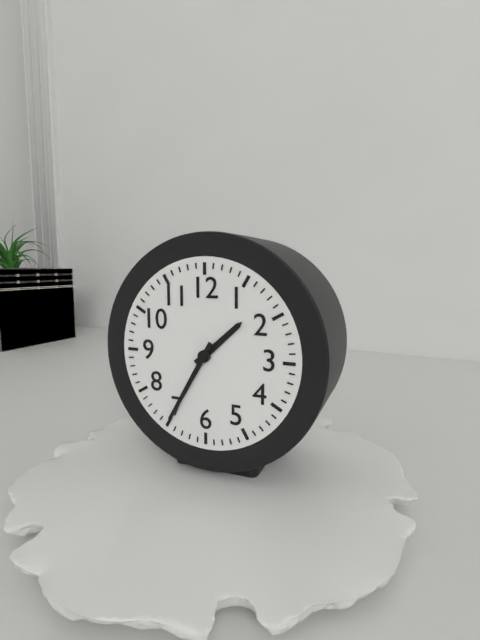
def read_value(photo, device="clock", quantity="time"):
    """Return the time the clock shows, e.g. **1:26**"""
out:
**1:35**
